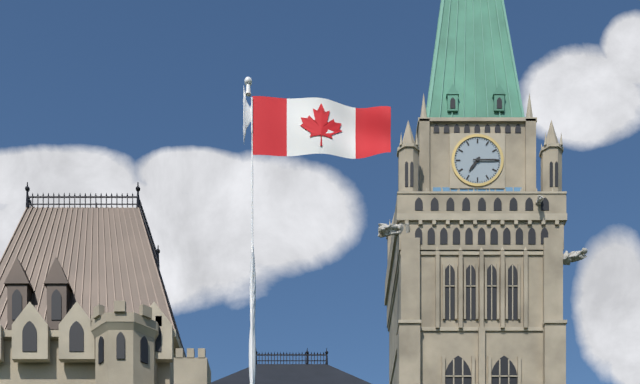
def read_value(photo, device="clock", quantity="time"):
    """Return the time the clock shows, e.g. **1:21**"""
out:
**7:15**
